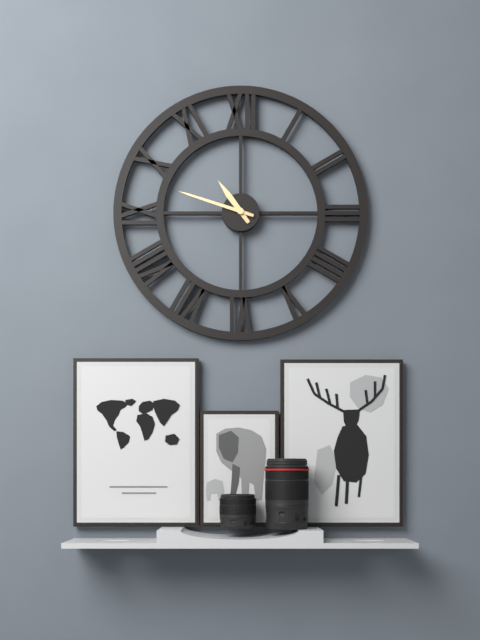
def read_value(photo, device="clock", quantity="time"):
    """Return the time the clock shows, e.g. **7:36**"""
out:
**10:48**
